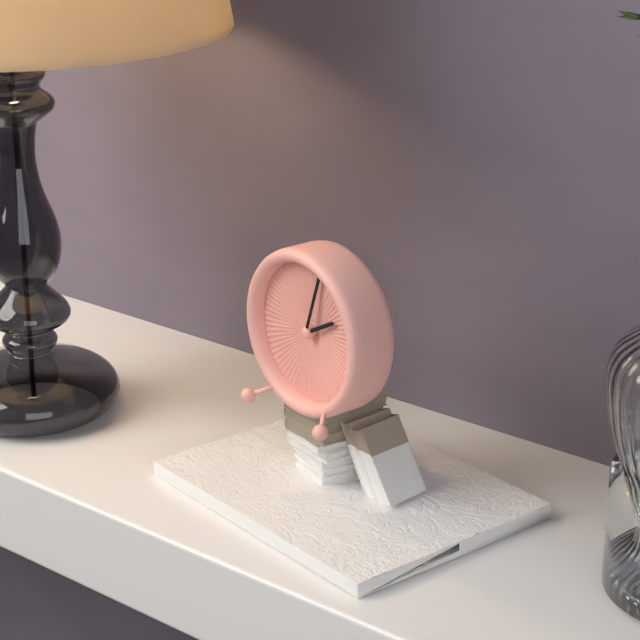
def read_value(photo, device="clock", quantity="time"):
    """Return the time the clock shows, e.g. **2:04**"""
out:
**2:03**
